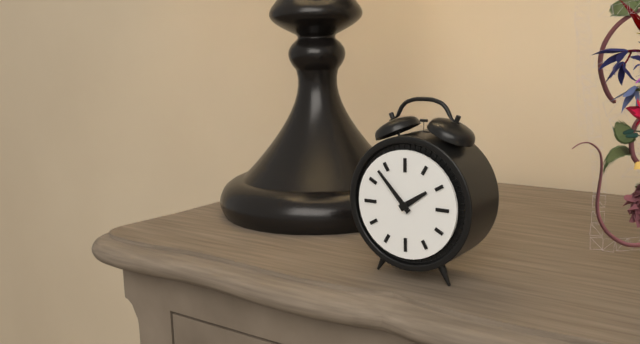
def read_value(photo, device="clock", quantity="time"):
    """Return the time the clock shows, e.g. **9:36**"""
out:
**1:53**
